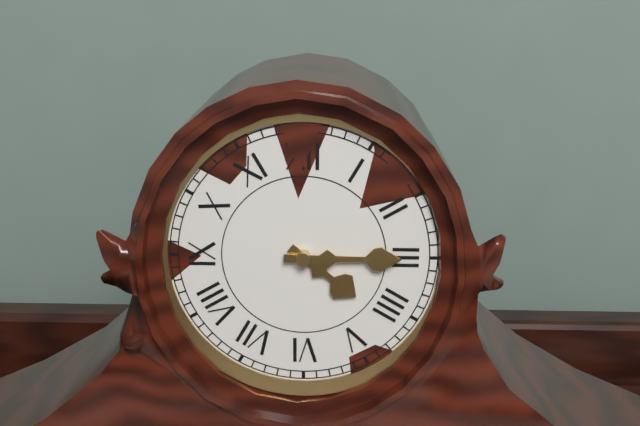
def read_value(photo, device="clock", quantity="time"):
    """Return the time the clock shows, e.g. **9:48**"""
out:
**4:15**
